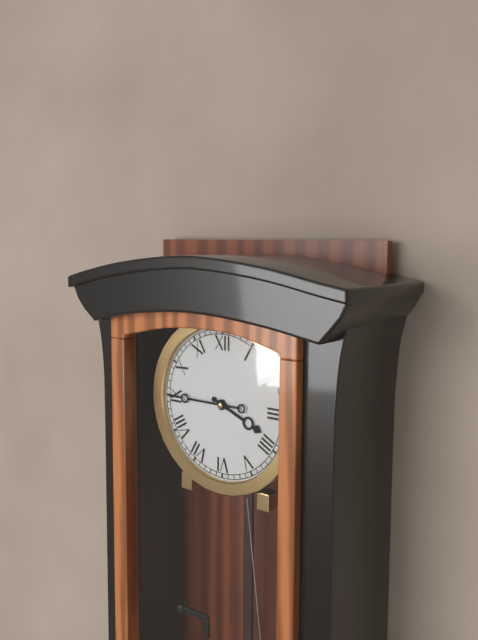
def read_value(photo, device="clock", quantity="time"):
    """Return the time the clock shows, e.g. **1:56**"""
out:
**3:45**
